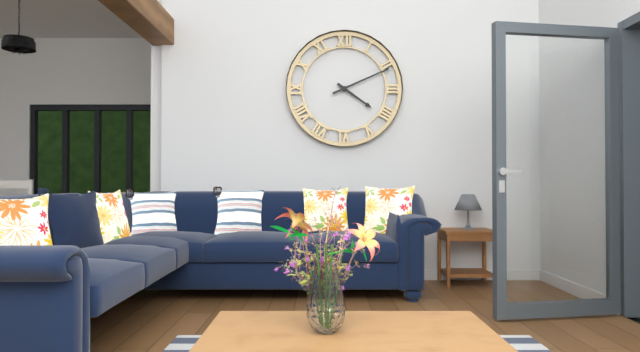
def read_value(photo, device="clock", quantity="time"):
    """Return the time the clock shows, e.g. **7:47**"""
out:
**4:11**
